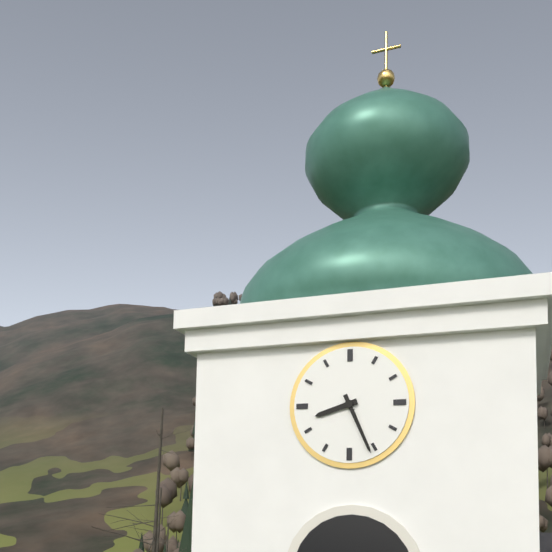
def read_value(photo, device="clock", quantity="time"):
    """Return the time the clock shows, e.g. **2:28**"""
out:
**8:26**
